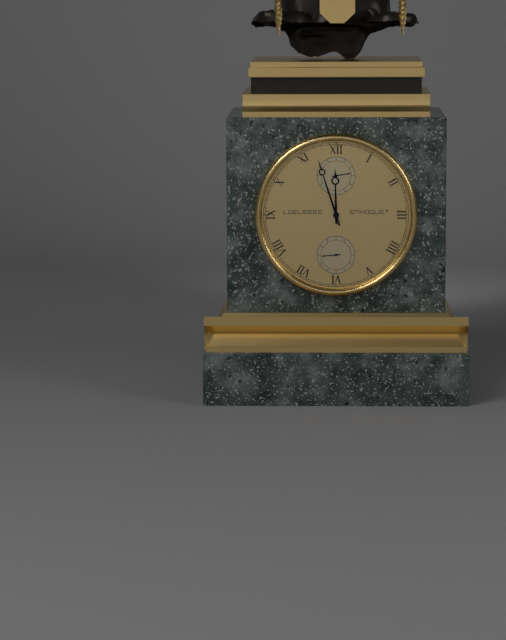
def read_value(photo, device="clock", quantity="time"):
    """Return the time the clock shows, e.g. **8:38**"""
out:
**11:57**
